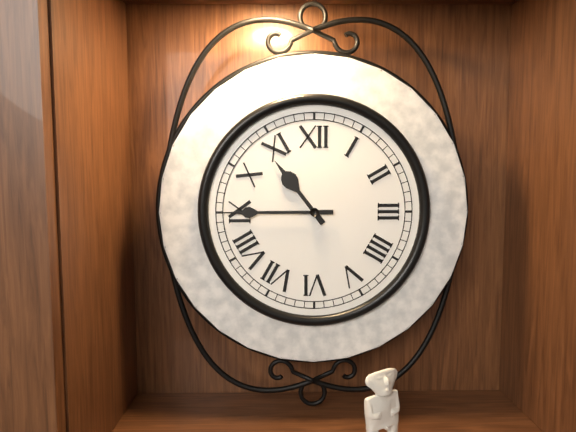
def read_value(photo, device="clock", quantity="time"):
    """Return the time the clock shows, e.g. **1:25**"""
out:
**10:45**
